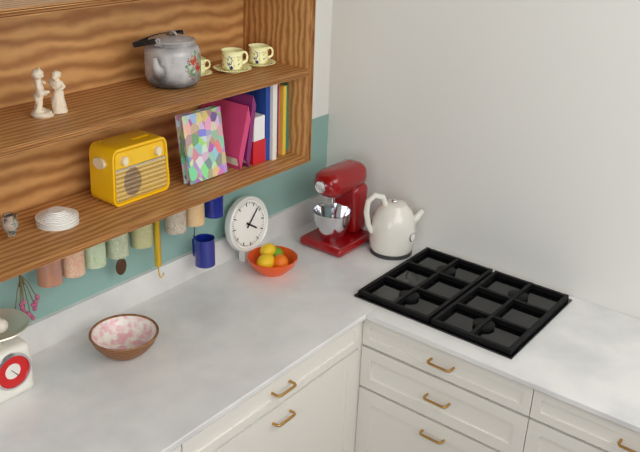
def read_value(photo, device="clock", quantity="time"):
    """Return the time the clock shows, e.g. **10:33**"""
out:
**4:08**
